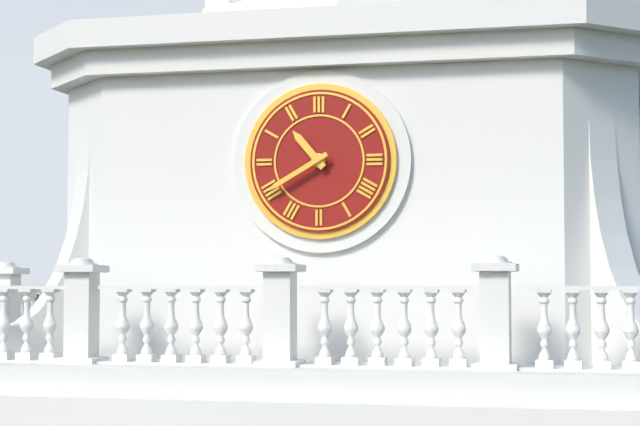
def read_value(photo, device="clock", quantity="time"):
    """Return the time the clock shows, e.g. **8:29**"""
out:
**10:40**
